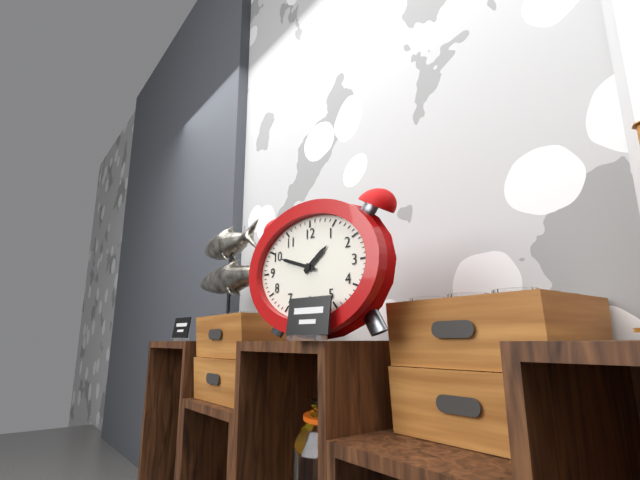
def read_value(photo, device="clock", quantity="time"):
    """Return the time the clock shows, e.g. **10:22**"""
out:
**1:48**
